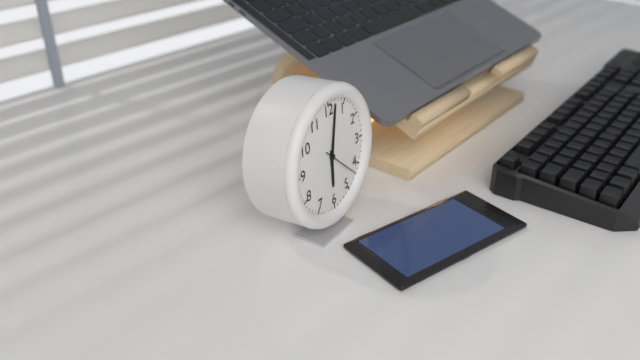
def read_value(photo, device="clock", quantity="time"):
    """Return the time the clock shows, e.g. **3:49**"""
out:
**6:02**
